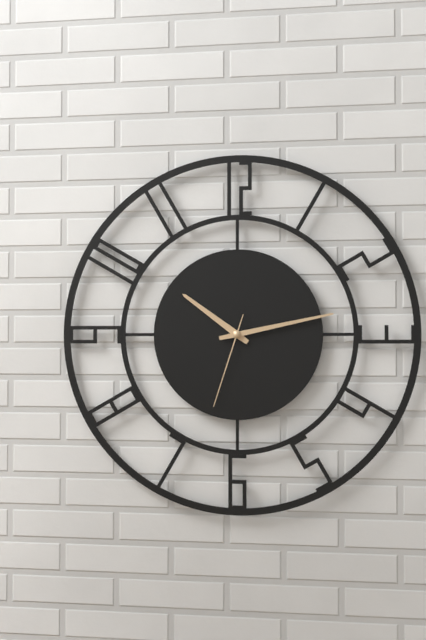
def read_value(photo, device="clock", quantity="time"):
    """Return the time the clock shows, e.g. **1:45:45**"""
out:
**10:13:33**
